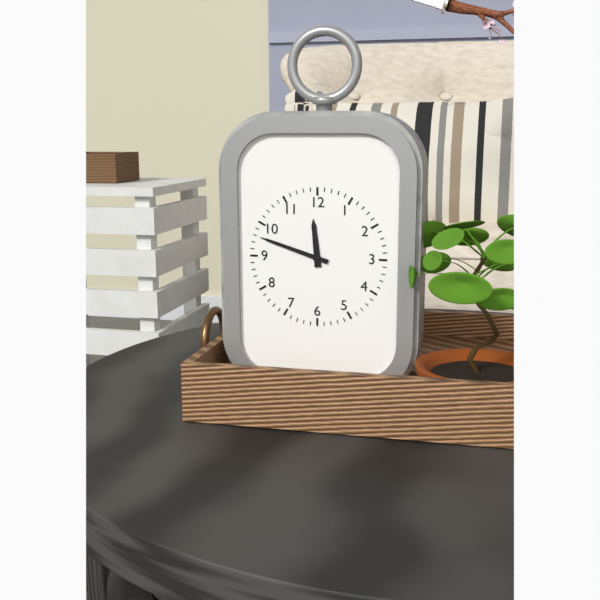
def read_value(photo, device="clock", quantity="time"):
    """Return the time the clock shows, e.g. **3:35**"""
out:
**11:48**
